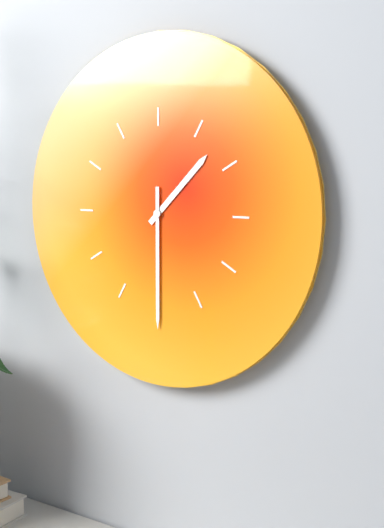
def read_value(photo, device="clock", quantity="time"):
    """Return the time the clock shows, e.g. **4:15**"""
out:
**1:30**
